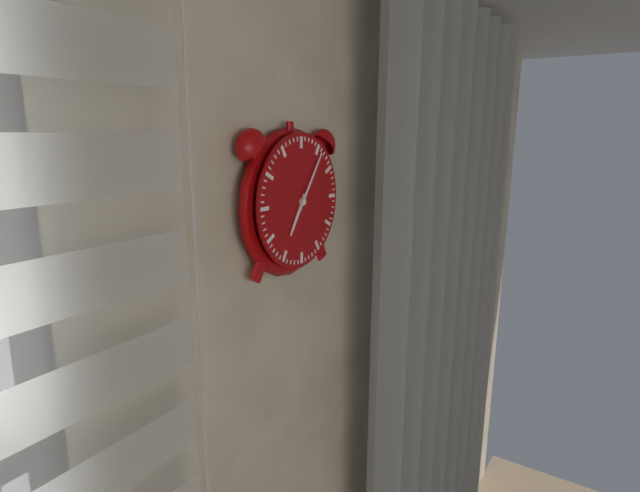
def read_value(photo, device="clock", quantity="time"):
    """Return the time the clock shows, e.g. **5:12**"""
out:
**7:06**
